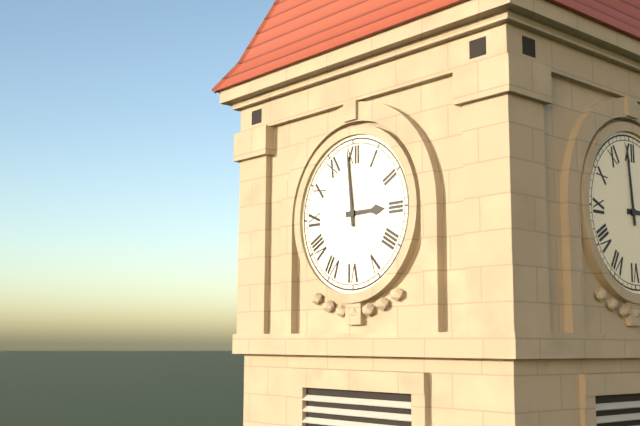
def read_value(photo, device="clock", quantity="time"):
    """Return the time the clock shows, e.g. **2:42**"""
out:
**2:59**
